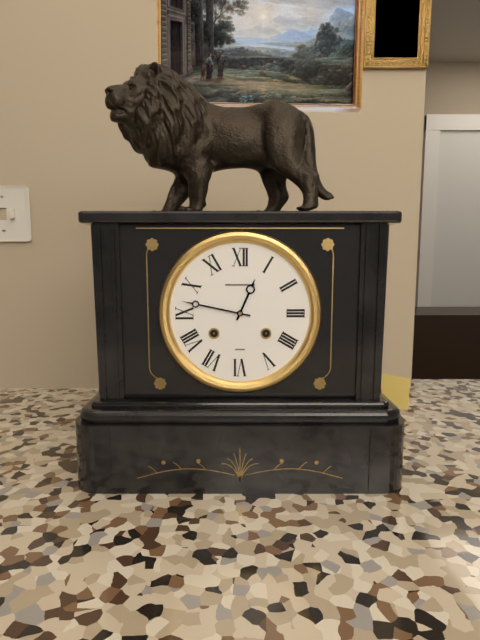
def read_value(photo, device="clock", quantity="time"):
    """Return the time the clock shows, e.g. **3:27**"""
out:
**12:47**
